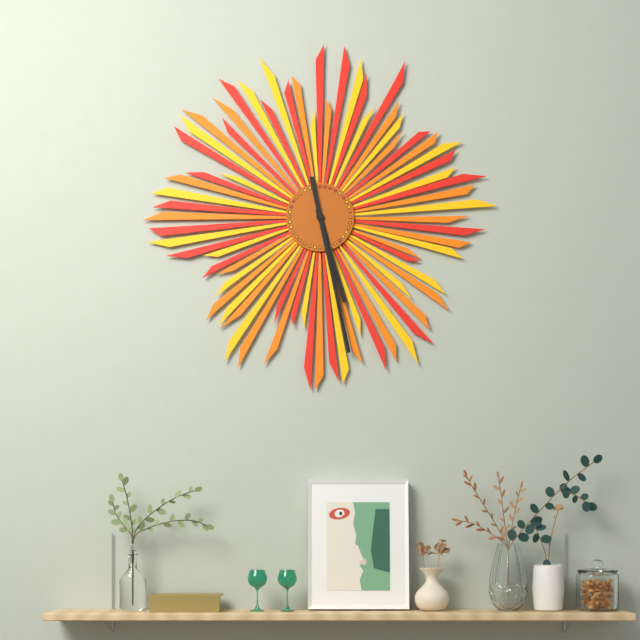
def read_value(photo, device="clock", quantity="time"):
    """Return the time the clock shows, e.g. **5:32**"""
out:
**5:28**
